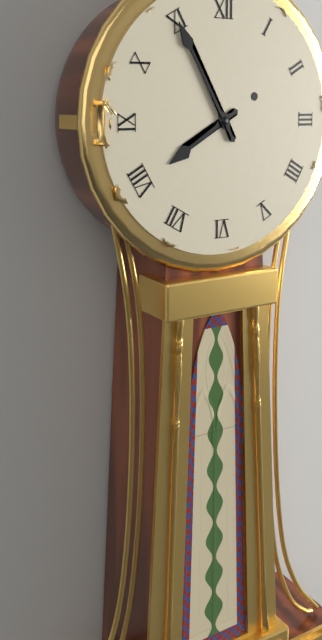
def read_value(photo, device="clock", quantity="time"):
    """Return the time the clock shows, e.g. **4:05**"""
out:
**7:55**
